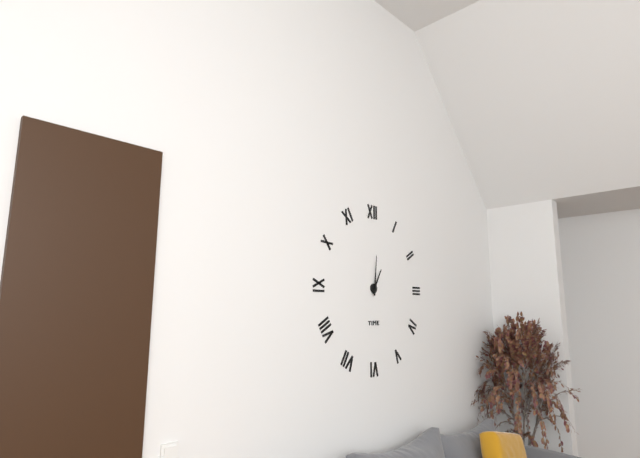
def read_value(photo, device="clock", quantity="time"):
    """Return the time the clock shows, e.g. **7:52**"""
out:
**1:01**
